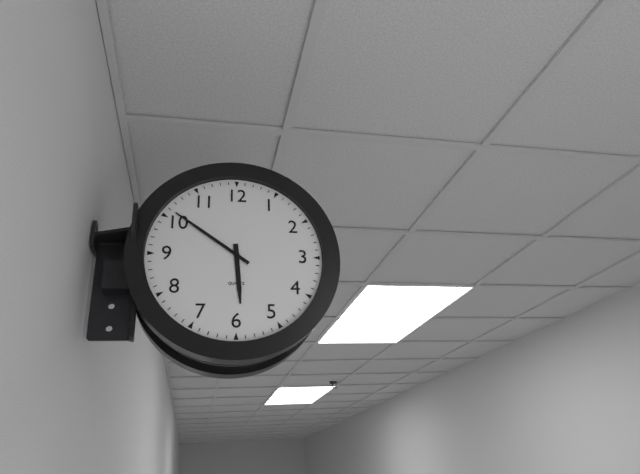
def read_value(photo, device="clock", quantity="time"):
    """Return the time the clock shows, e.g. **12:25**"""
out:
**5:51**
